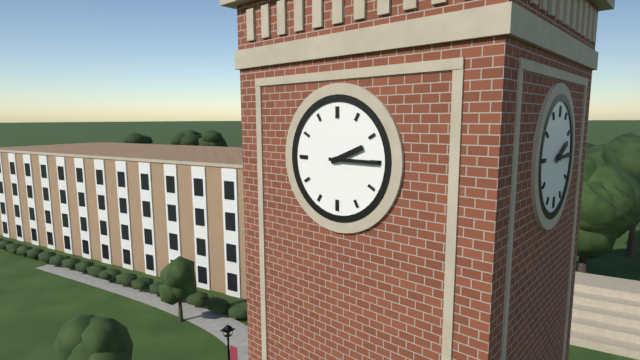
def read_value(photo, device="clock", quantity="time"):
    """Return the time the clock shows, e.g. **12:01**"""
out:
**2:15**
